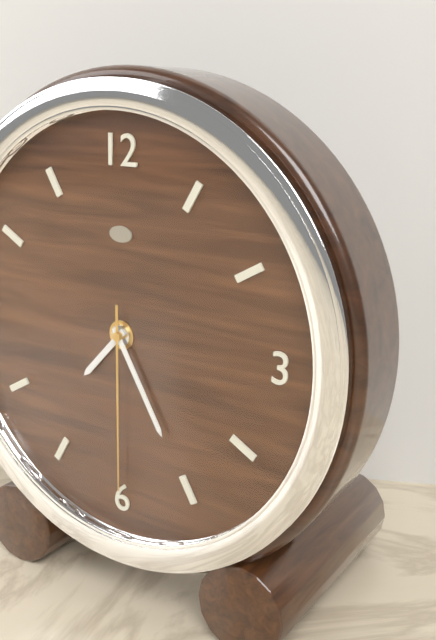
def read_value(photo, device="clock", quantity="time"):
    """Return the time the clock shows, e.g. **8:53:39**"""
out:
**7:25:30**
